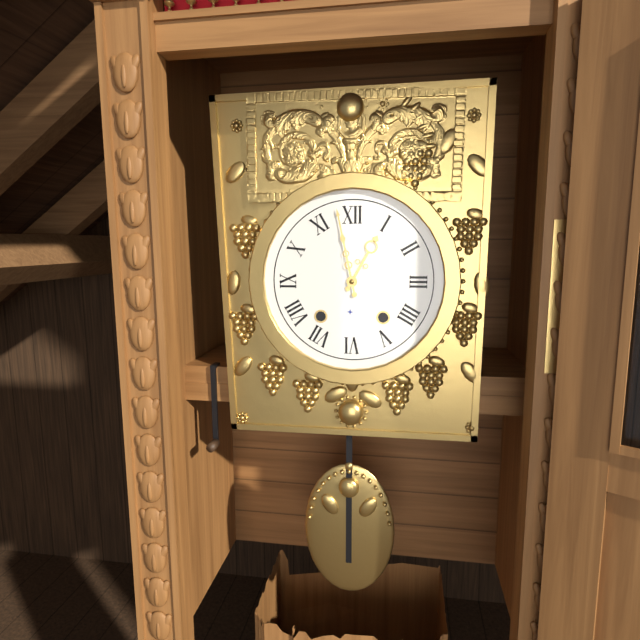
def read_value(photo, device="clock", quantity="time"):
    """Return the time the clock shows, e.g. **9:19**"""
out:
**12:58**
